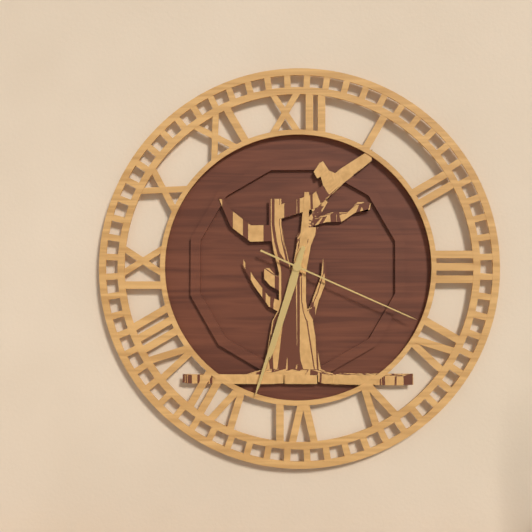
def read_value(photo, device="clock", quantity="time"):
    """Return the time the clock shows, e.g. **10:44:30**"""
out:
**6:33:19**
